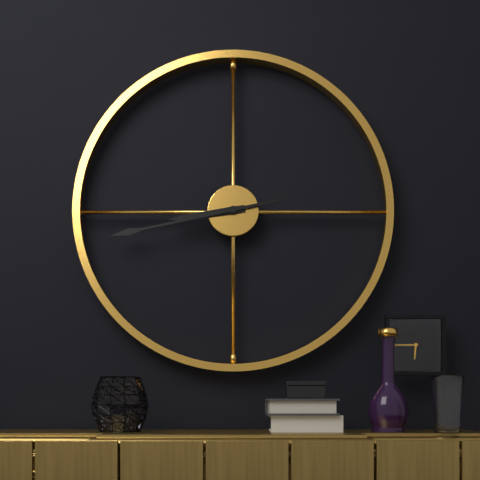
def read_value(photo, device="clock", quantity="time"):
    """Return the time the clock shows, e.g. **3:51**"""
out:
**8:43**
